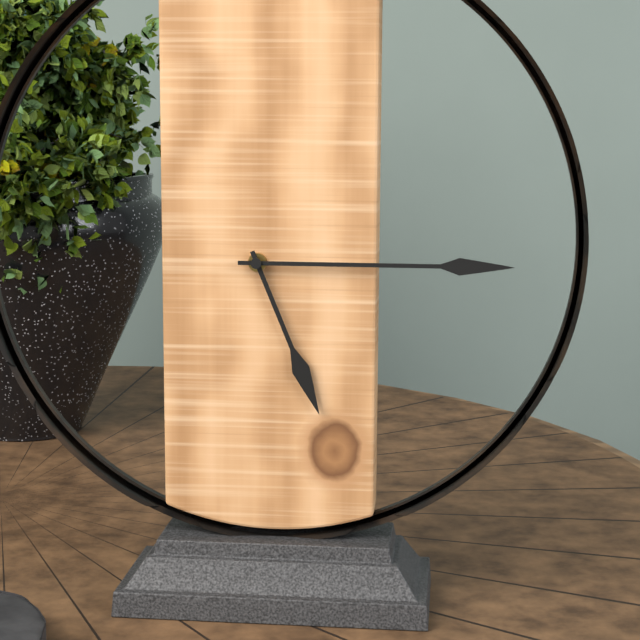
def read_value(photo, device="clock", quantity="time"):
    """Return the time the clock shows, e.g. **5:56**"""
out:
**5:15**
